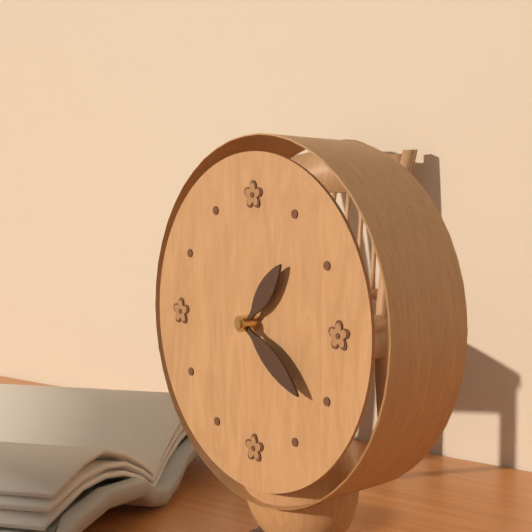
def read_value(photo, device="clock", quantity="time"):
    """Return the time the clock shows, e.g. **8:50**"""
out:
**1:21**
